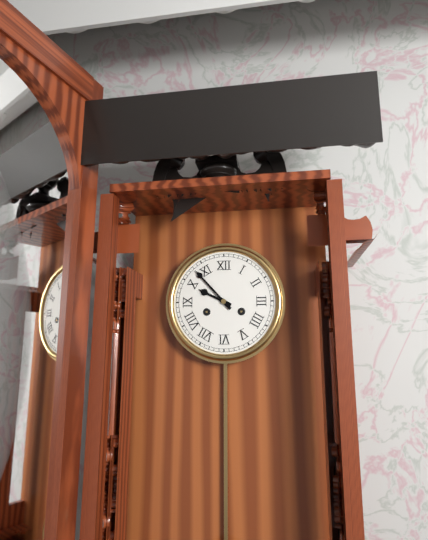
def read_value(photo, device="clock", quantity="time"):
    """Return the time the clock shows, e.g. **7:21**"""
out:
**9:53**
